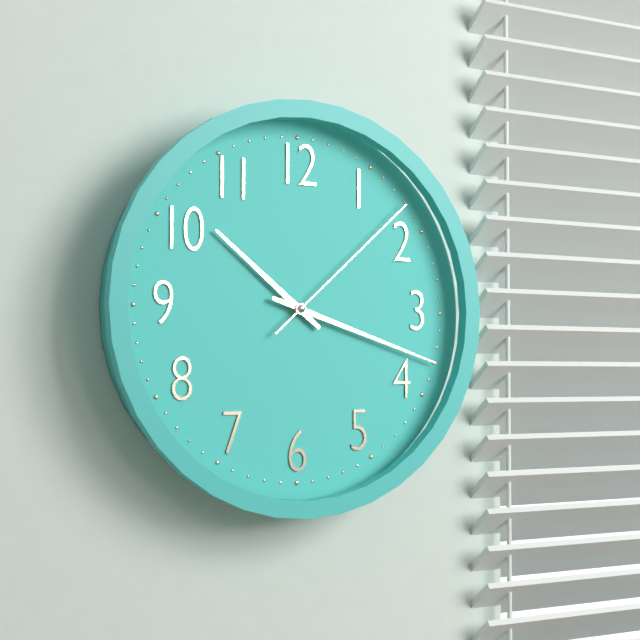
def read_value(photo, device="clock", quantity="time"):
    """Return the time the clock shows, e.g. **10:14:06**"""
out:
**10:18:08**
